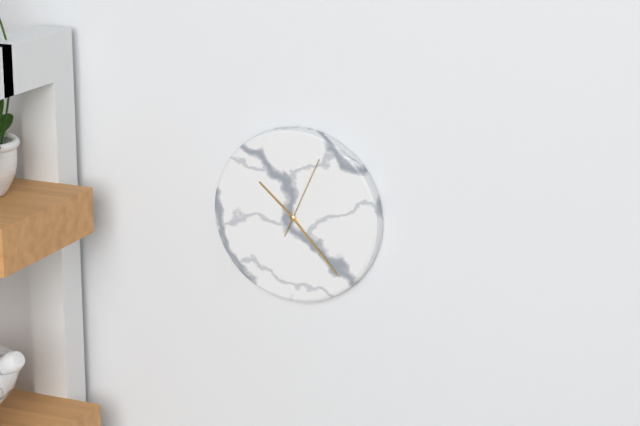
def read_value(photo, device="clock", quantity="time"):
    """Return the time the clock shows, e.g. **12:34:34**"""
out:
**10:23:04**
